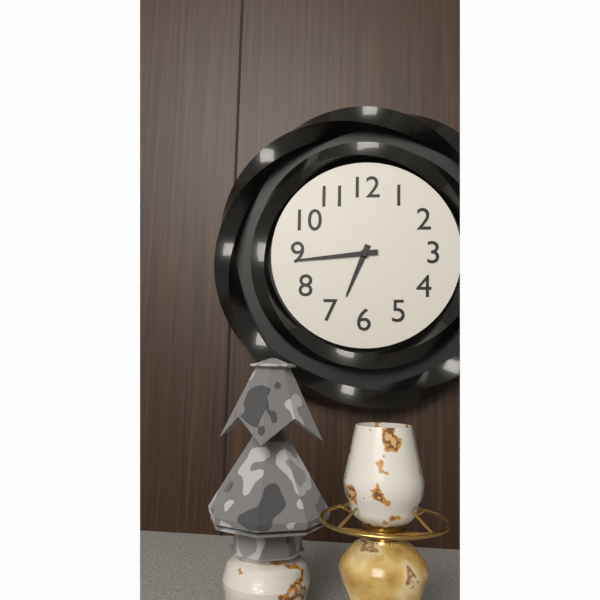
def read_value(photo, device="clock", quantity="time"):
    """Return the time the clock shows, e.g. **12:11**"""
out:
**6:44**
